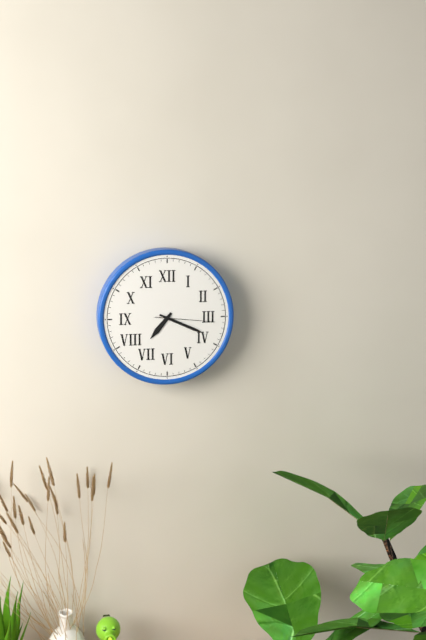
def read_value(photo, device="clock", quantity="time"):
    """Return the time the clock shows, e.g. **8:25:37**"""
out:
**7:19:16**
